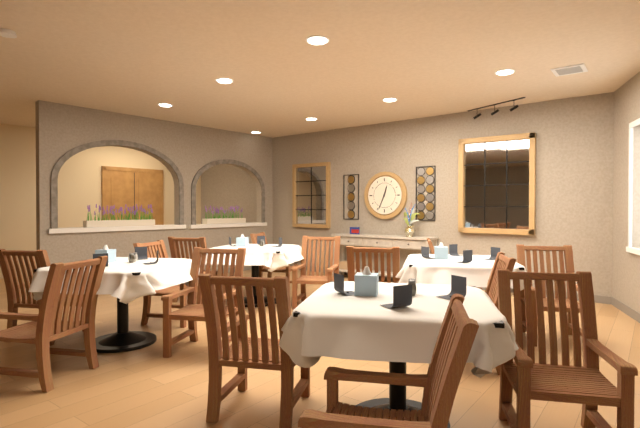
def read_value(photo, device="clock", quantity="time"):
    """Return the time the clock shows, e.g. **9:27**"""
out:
**12:34**
